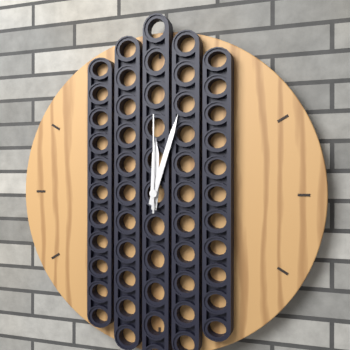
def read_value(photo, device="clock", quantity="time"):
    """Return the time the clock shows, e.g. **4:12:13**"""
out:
**12:03:00**
